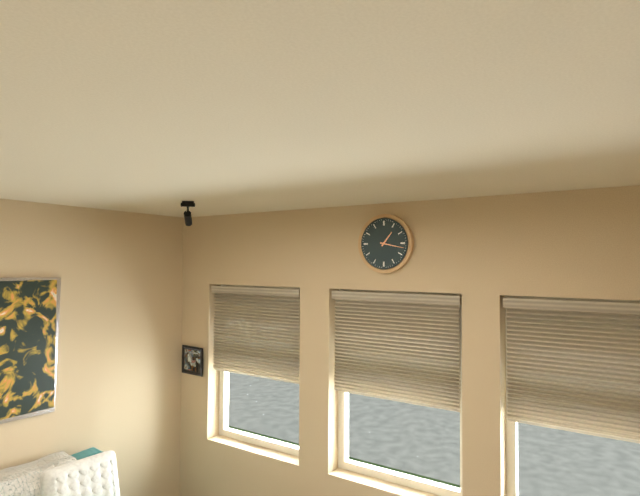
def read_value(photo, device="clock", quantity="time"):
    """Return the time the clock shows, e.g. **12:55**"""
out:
**1:17**
